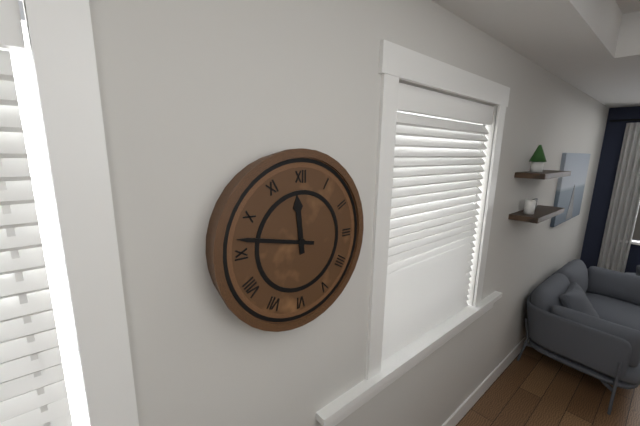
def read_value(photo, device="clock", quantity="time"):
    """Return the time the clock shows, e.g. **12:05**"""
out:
**11:47**
